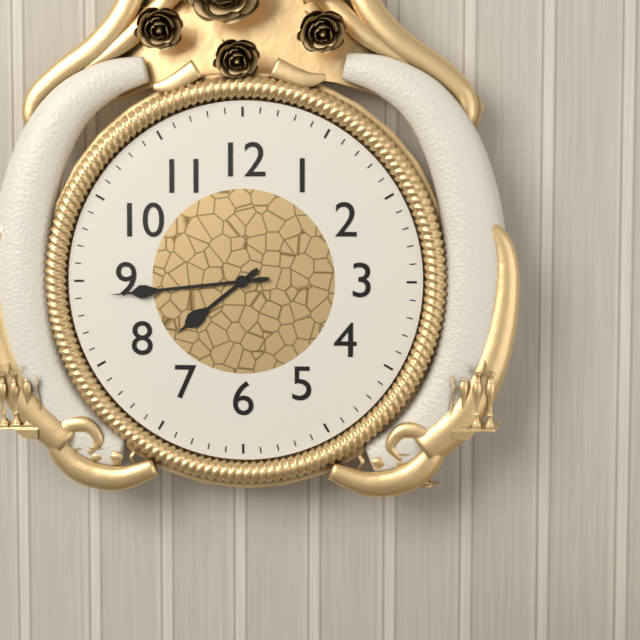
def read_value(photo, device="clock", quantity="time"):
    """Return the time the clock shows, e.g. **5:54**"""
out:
**7:44**
